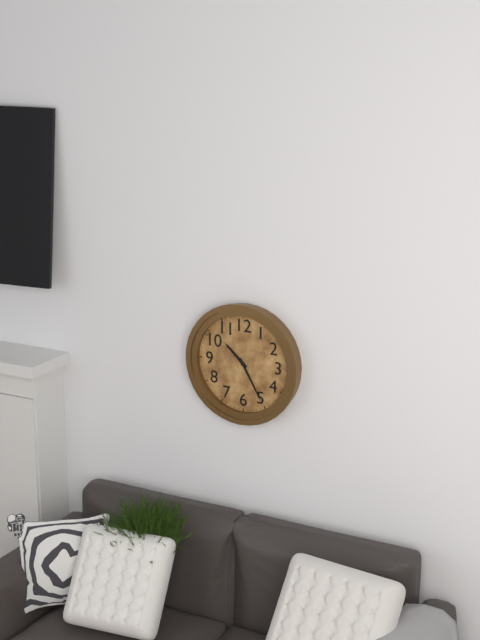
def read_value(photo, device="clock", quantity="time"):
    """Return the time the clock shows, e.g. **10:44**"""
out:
**10:25**
